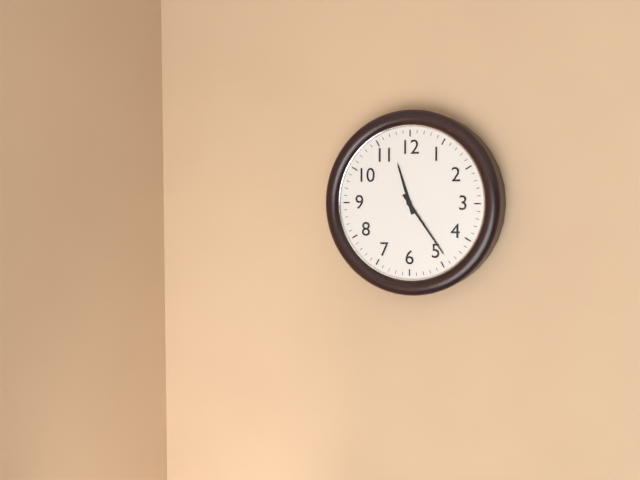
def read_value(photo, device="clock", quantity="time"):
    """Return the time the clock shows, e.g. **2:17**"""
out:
**11:24**
